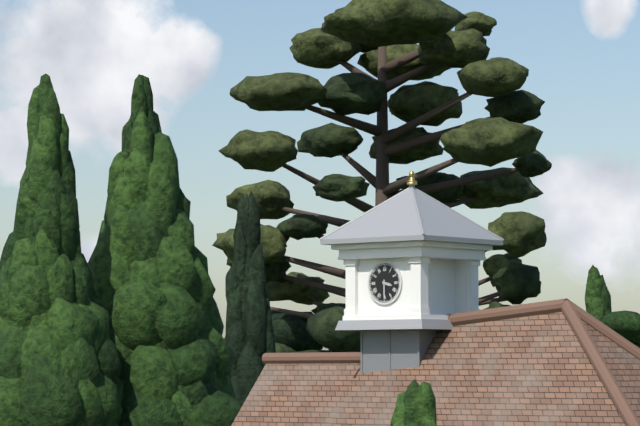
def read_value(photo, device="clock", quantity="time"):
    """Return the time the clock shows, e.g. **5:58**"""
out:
**3:30**
